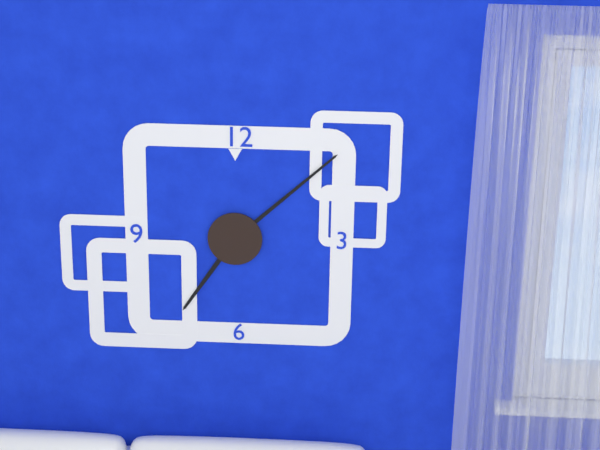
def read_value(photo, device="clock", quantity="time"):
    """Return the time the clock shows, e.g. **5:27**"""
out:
**7:08**
